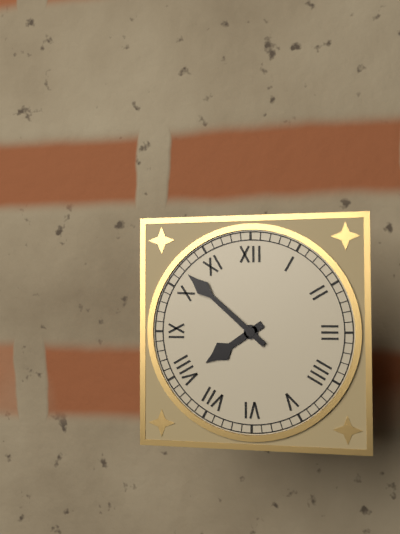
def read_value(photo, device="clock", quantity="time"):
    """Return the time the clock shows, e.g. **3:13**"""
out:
**7:52**
